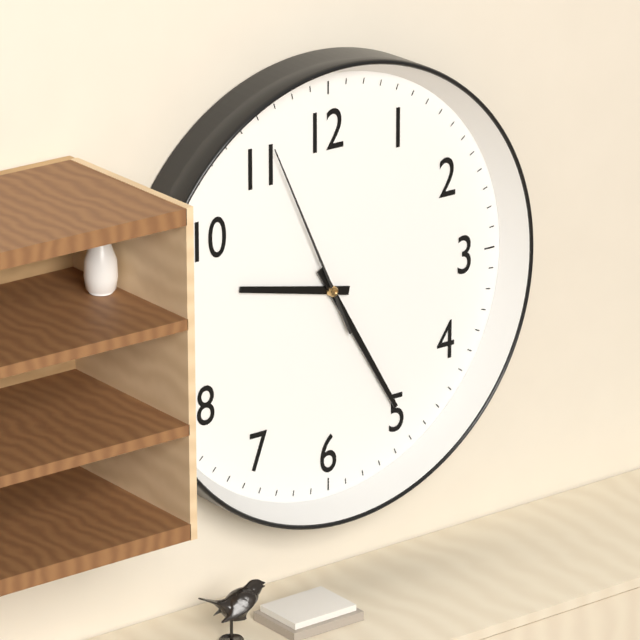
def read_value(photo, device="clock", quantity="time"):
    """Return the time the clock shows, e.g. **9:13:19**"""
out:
**9:25:56**
